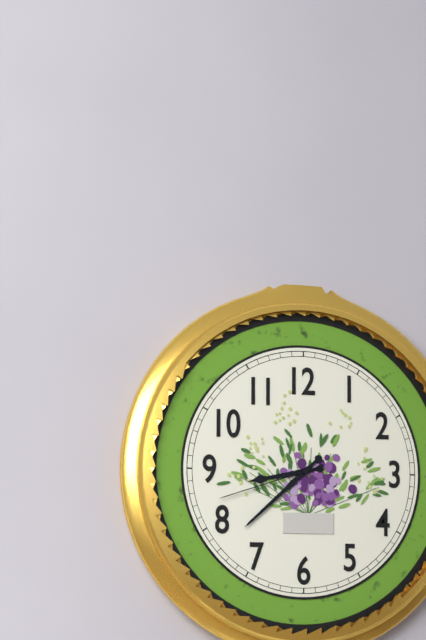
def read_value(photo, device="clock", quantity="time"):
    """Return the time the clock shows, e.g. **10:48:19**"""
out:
**8:38:42**
